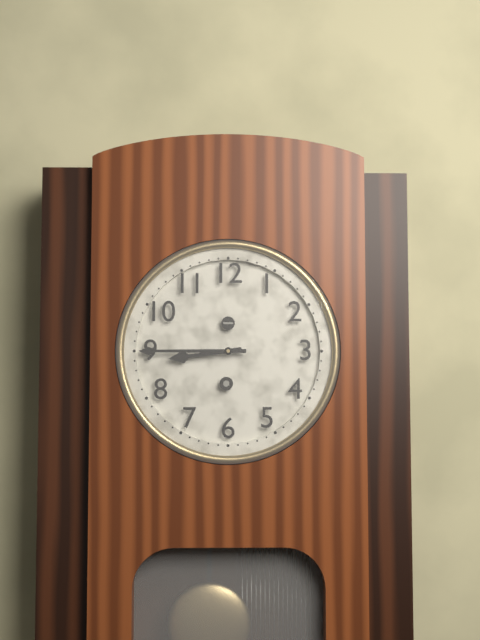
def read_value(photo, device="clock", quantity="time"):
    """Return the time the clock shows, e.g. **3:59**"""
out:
**8:45**
